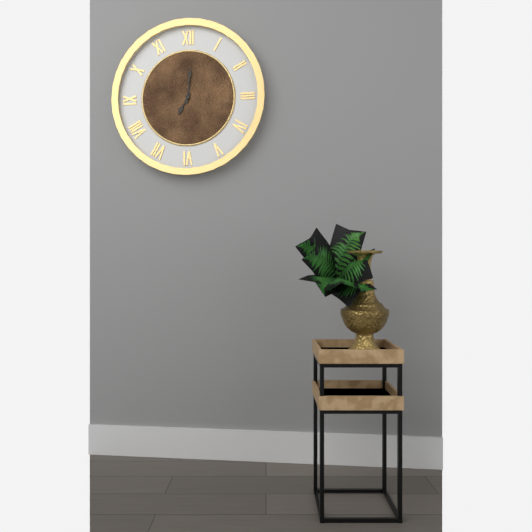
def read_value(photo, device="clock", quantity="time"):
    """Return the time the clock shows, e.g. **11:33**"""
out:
**7:01**
